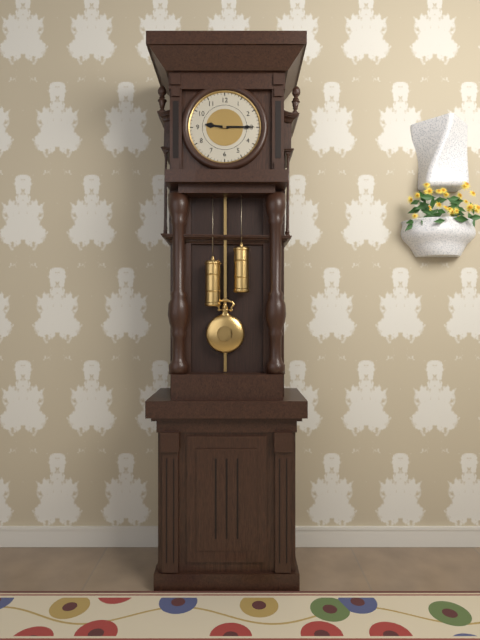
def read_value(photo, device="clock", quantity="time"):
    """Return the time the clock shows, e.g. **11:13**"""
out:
**9:15**
